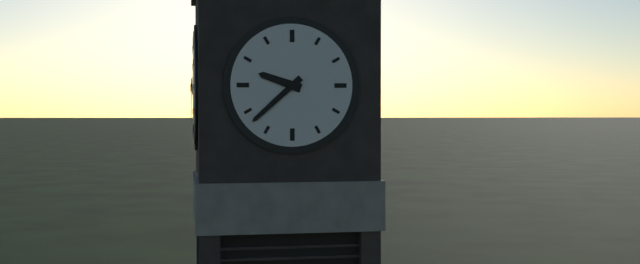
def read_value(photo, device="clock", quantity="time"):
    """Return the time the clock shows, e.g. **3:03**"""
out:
**9:38**
